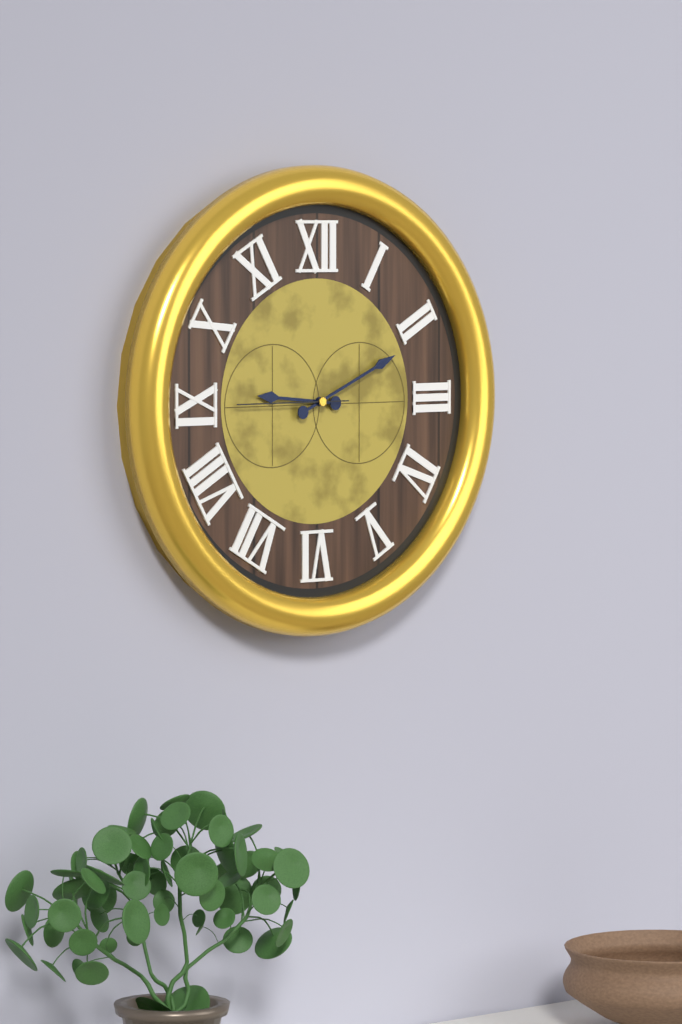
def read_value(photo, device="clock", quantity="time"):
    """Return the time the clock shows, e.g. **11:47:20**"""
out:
**9:11:45**
